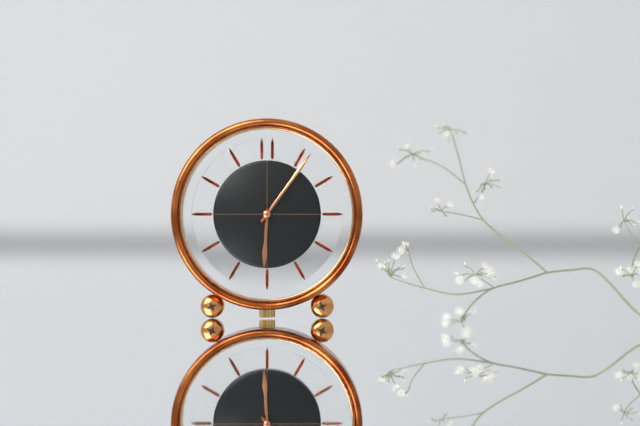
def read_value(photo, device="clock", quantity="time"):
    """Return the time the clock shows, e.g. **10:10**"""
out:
**6:06**
